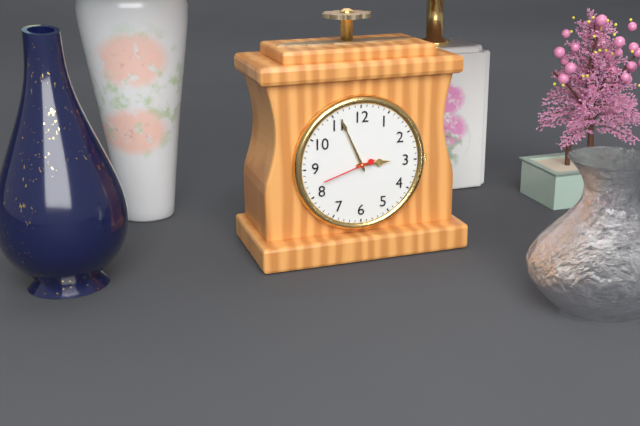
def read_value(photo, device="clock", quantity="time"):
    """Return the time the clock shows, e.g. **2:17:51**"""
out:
**2:56:42**
